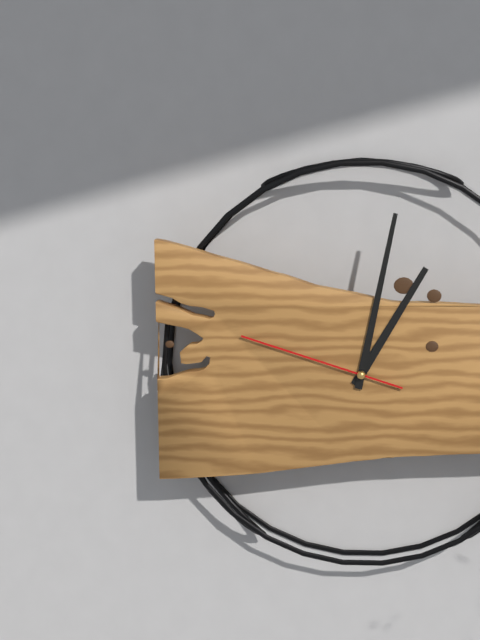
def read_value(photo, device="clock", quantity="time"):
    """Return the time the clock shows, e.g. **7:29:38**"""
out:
**1:02:48**
